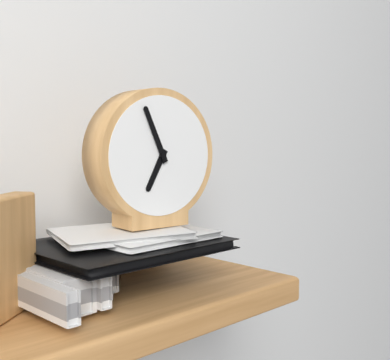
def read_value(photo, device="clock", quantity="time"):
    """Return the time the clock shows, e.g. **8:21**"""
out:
**6:56**
